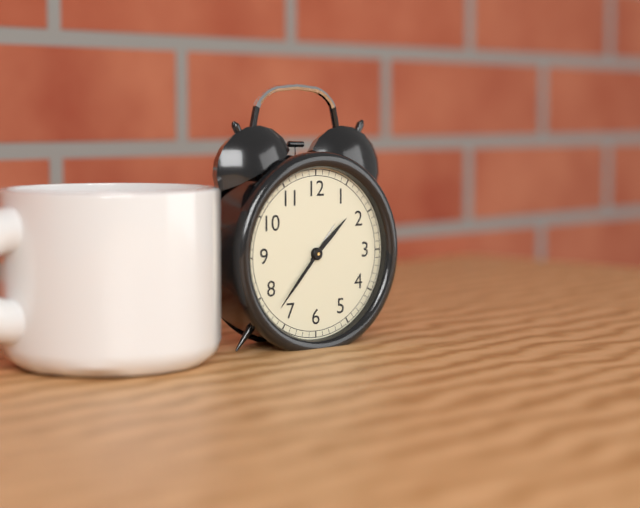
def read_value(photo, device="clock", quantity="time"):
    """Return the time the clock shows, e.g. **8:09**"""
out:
**1:37**
